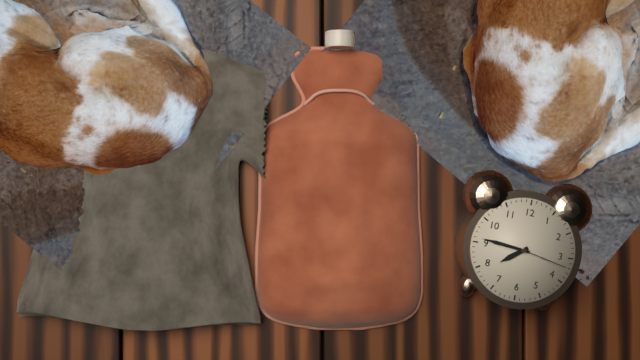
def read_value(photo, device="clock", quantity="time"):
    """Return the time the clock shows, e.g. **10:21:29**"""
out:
**7:46:17**
